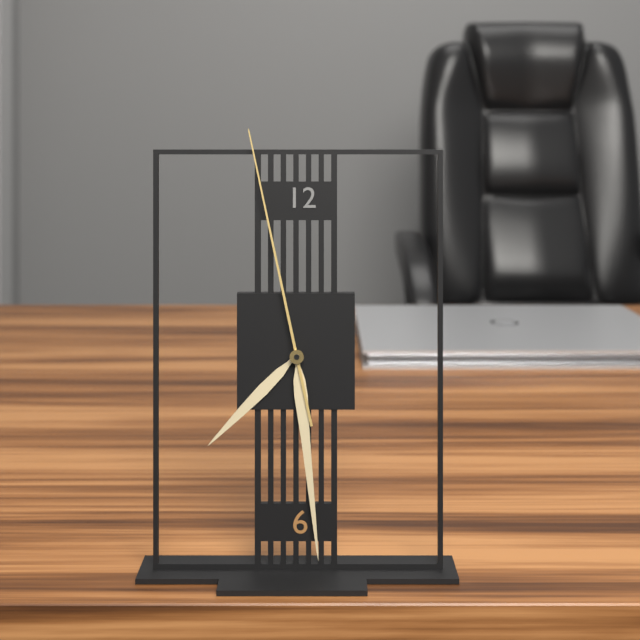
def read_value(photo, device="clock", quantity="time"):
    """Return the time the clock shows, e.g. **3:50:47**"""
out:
**7:29:58**
